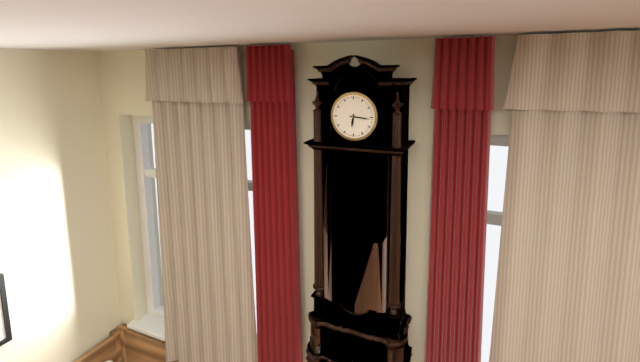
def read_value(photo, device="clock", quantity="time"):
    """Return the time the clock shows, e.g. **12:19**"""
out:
**6:16**
